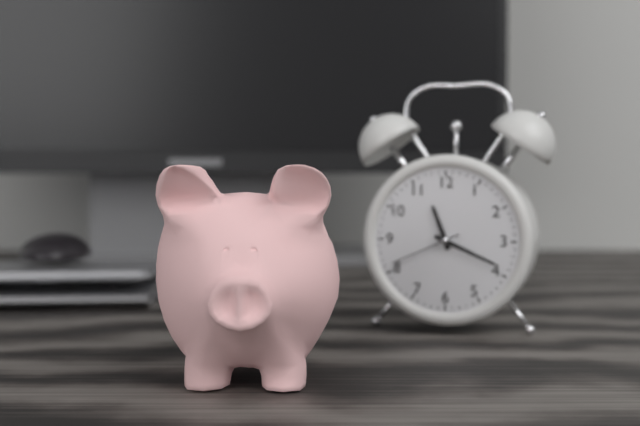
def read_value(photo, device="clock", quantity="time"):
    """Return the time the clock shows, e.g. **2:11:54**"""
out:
**11:19:41**
